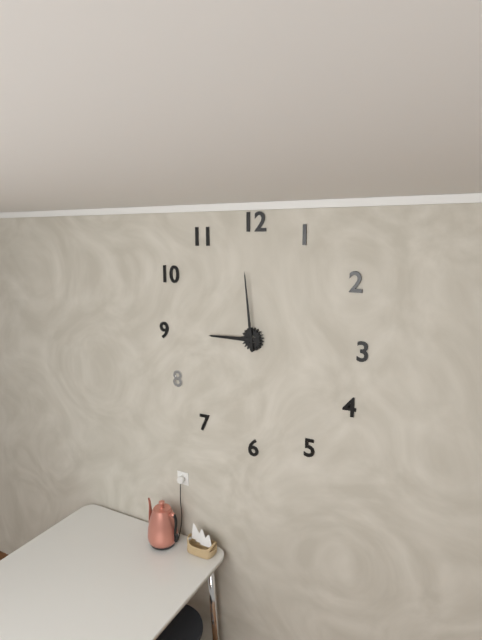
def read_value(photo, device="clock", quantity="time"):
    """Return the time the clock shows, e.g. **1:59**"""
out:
**8:59**
